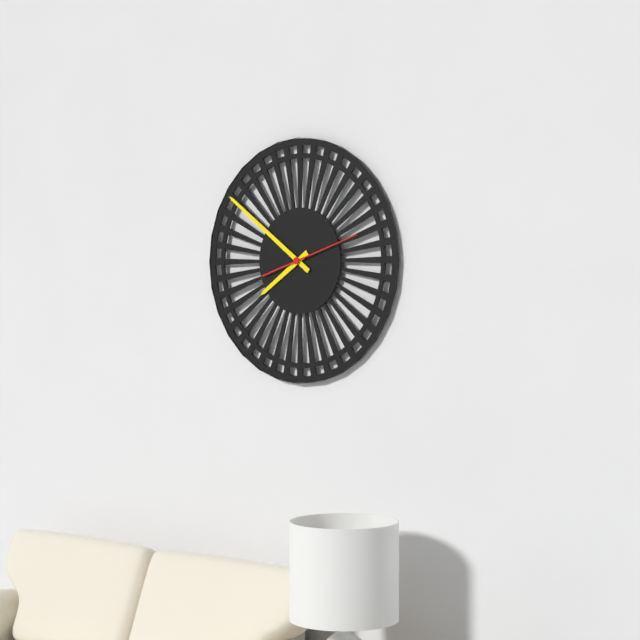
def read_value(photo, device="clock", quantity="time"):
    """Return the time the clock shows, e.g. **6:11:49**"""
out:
**7:51:12**
